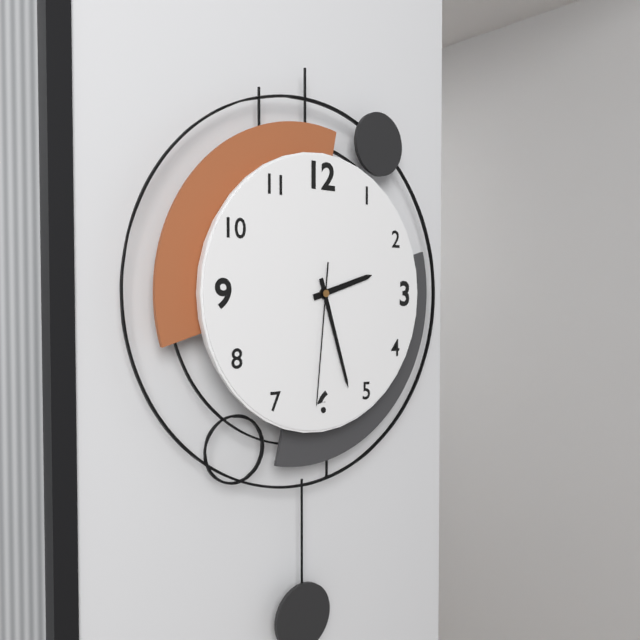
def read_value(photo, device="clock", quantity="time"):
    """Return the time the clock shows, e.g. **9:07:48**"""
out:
**2:27:31**
